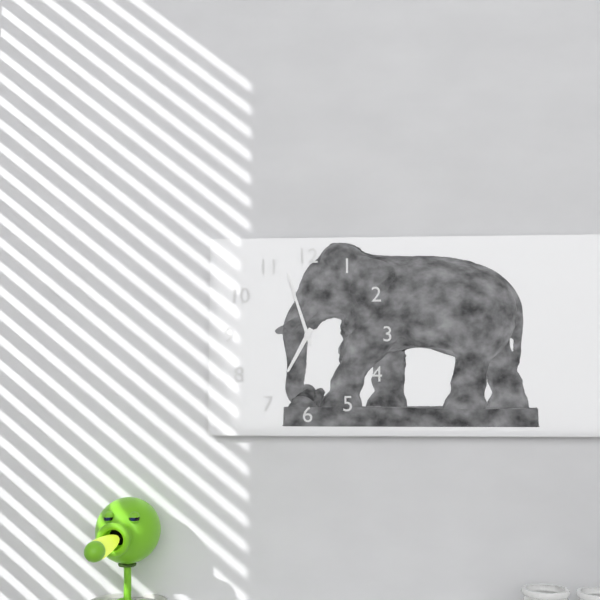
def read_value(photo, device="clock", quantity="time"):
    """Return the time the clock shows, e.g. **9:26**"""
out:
**6:57**
